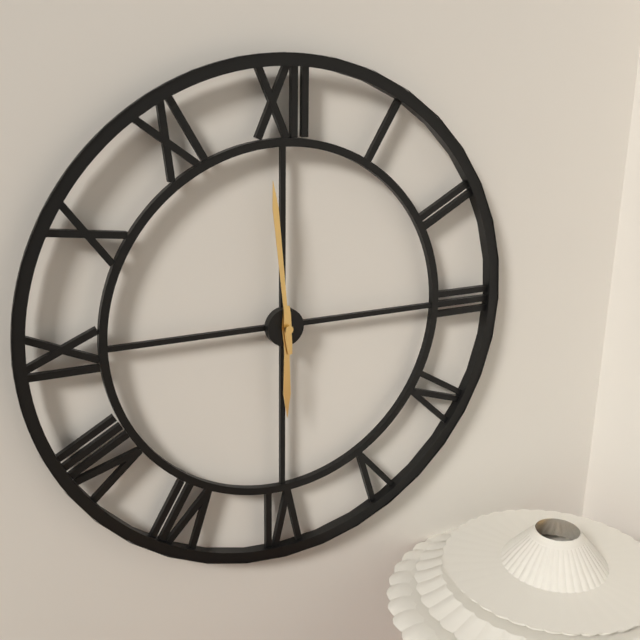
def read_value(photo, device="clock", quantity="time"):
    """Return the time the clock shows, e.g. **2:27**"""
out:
**5:59**
